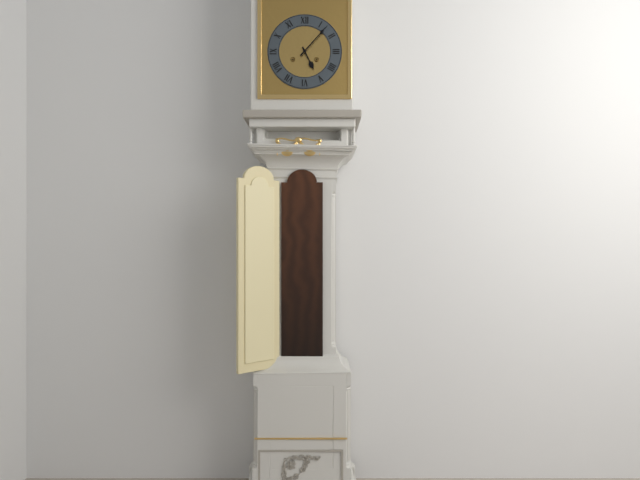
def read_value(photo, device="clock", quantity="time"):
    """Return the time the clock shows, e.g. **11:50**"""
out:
**5:07**
